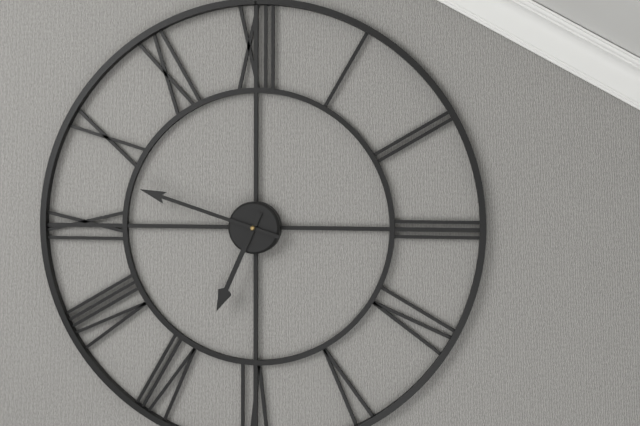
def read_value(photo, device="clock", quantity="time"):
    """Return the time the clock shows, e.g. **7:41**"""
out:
**6:48**
